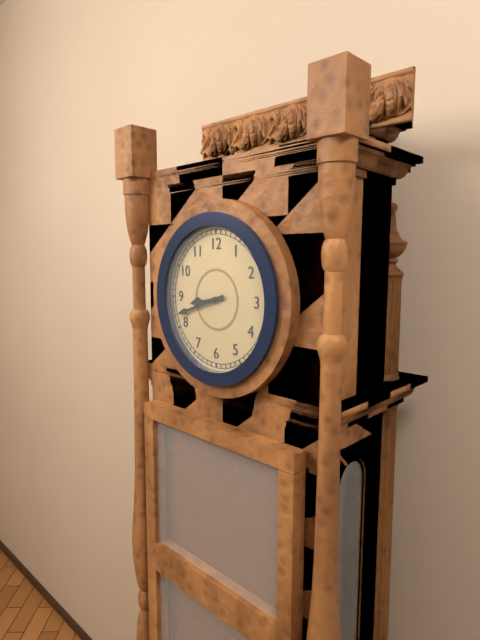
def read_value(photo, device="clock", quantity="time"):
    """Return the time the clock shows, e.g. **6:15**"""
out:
**8:42**
